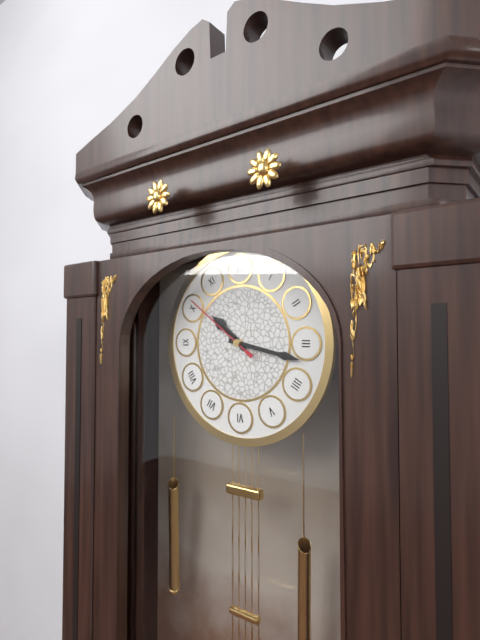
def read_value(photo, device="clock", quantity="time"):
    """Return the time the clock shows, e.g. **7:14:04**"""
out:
**10:17:51**
